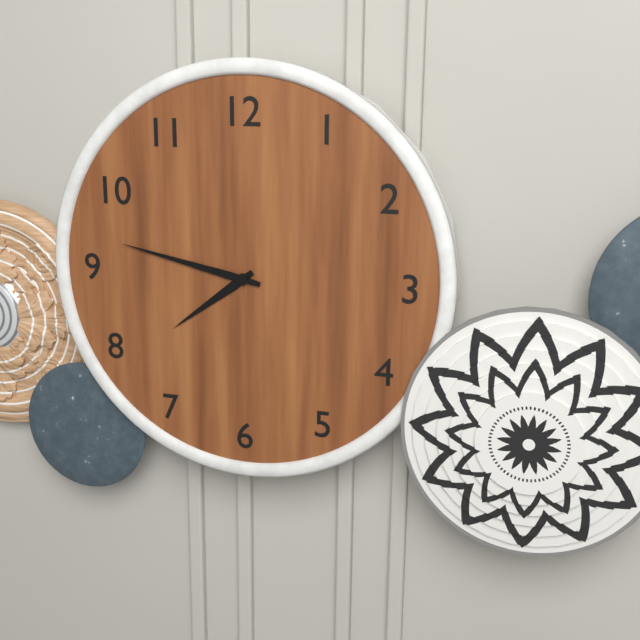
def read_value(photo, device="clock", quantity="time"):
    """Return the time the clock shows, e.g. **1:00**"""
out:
**7:47**
